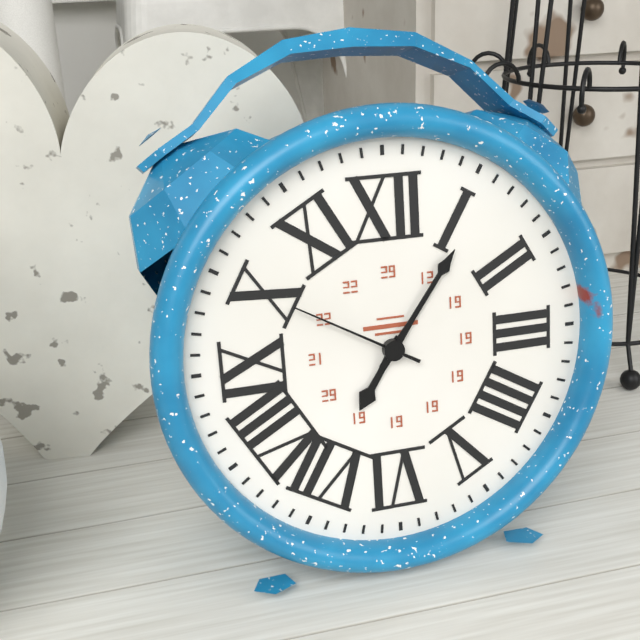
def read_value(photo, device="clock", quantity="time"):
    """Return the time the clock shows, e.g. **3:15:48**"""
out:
**7:06:50**
